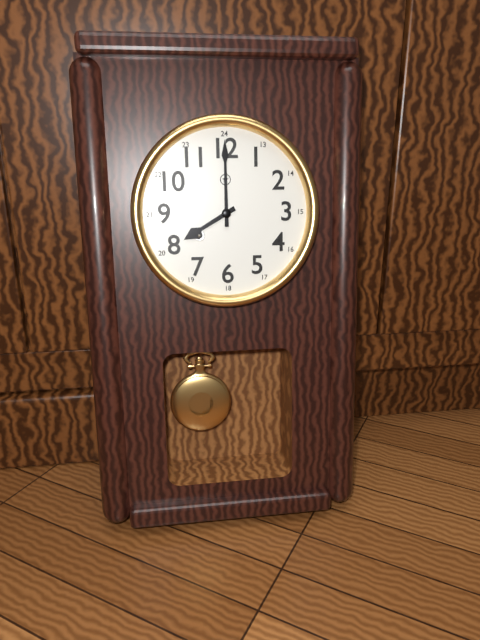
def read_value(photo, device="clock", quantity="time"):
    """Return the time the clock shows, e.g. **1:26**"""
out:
**8:00**
